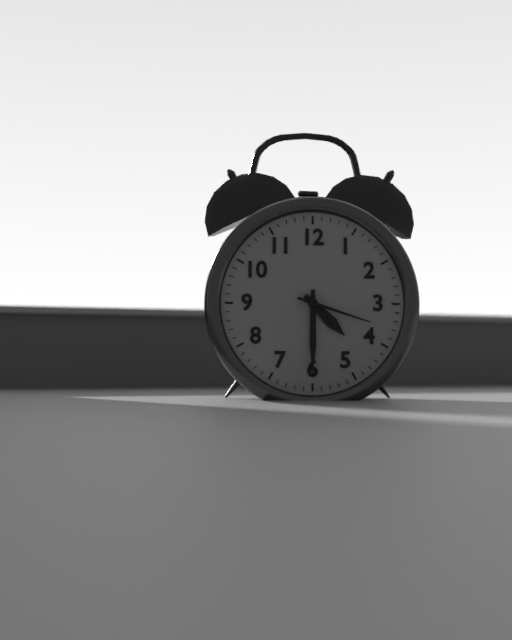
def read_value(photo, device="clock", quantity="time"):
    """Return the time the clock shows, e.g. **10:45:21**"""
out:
**4:30:18**
